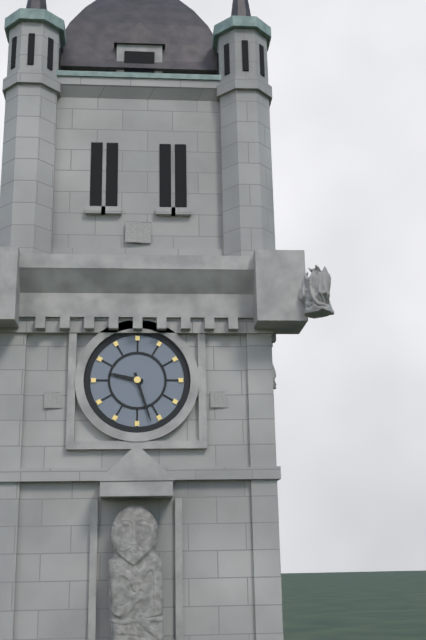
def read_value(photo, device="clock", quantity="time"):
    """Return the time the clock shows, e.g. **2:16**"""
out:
**9:27**
